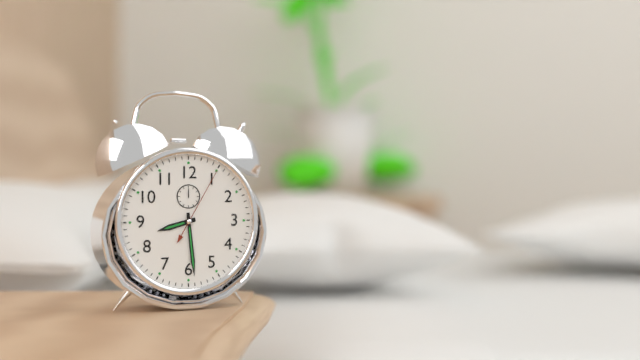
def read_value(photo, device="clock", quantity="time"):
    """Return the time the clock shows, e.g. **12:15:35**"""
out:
**8:29:05**
